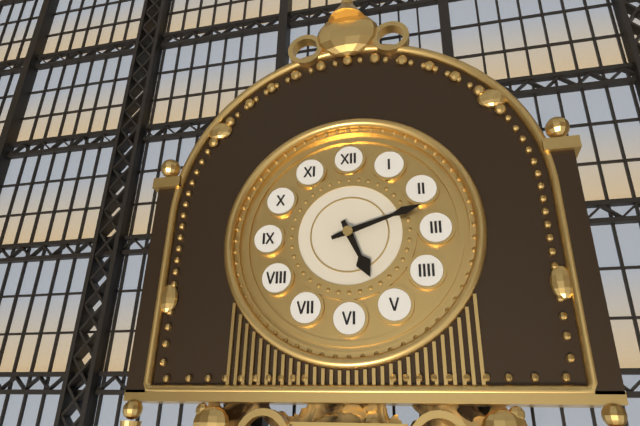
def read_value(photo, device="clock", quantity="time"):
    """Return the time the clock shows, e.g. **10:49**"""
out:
**5:12**
